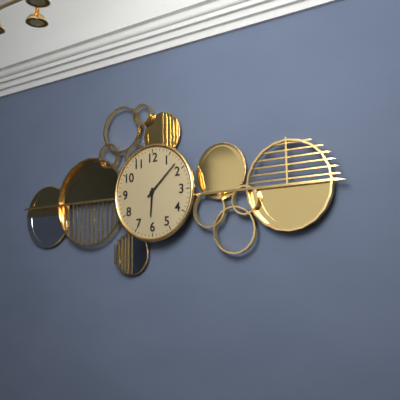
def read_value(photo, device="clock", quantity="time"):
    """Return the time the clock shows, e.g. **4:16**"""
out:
**6:08**
